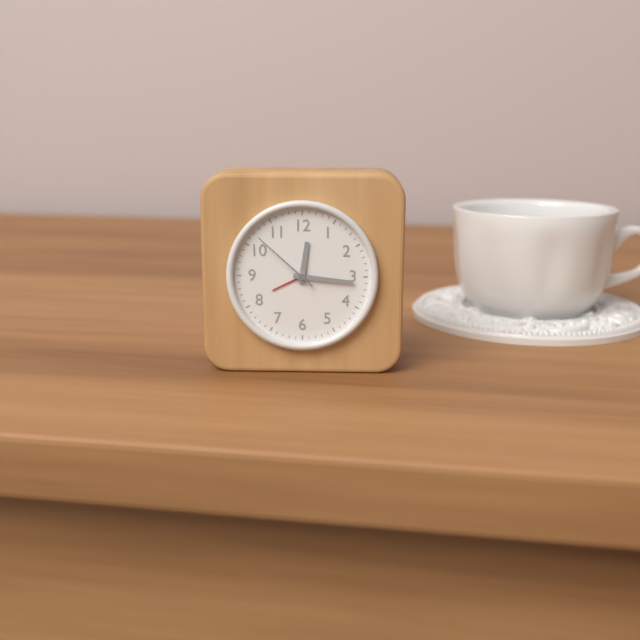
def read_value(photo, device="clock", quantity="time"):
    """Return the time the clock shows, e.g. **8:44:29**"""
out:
**12:16:52**
